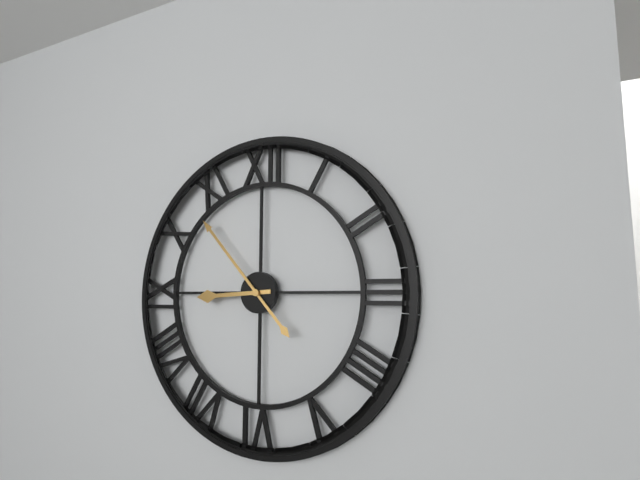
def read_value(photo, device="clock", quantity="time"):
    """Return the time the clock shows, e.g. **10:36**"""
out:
**8:53**
